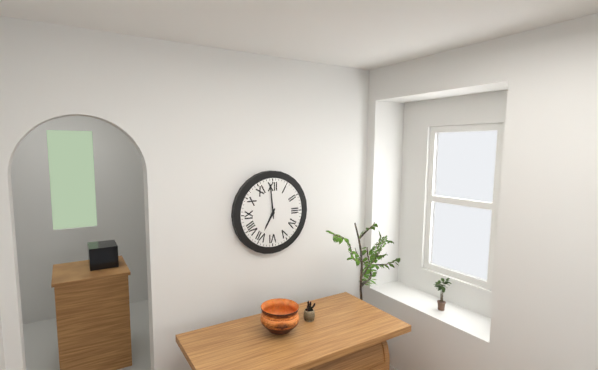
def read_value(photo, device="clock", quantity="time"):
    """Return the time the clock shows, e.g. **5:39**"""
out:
**6:59**
